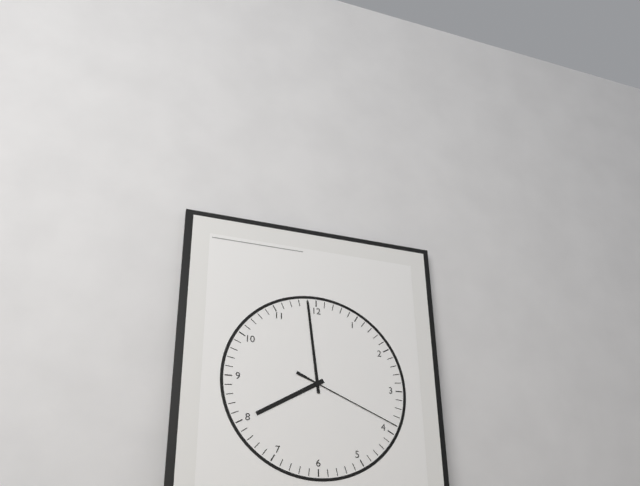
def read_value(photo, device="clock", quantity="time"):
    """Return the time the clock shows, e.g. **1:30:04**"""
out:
**7:59:19**
